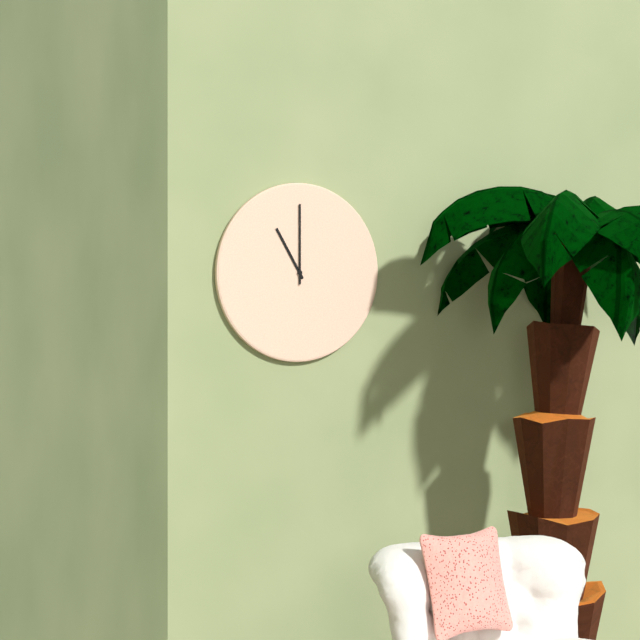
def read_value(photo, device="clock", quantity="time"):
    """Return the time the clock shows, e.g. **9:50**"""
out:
**11:00**
